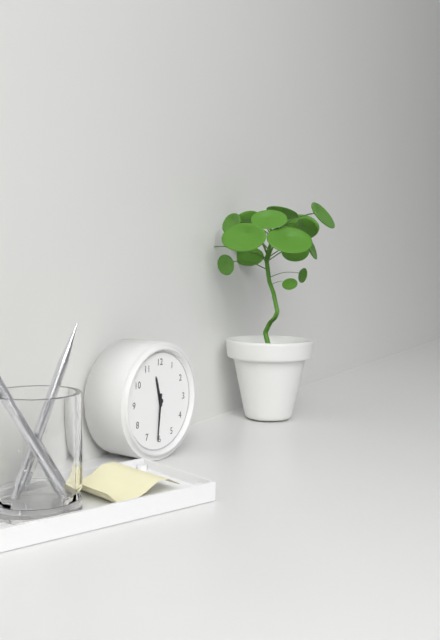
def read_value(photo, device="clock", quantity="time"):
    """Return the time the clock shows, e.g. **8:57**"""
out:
**11:31**
